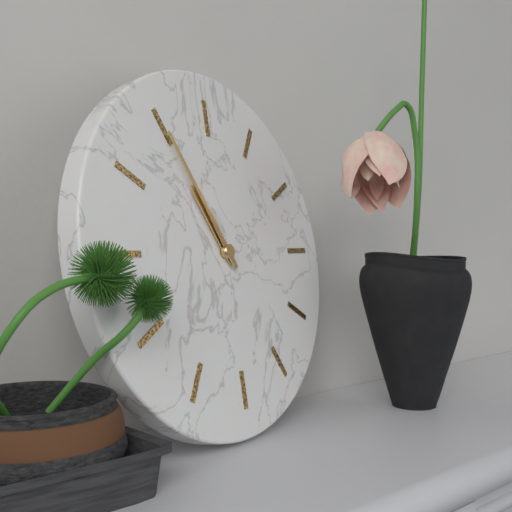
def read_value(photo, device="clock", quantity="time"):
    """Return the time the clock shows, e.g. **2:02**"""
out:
**10:55**
